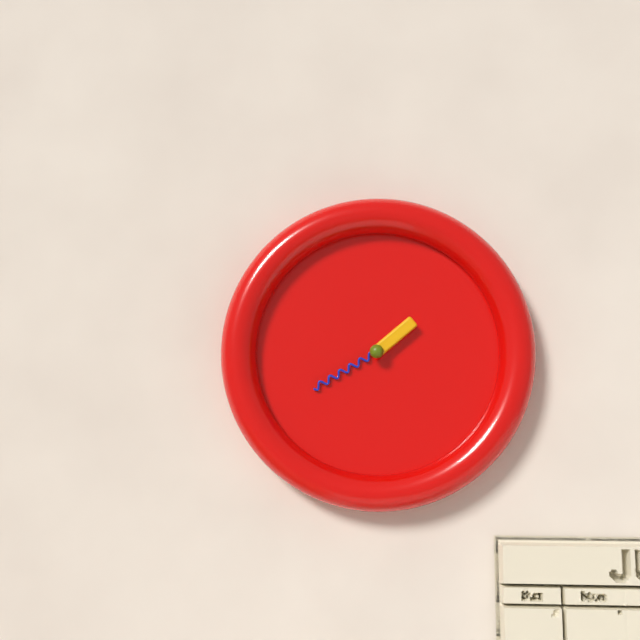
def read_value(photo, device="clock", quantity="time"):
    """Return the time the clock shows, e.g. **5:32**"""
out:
**1:40**
